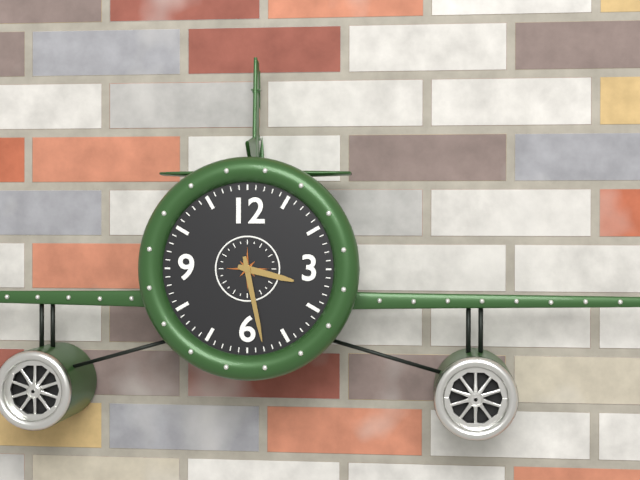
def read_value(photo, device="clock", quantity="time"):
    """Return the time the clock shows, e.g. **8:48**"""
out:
**3:28**
